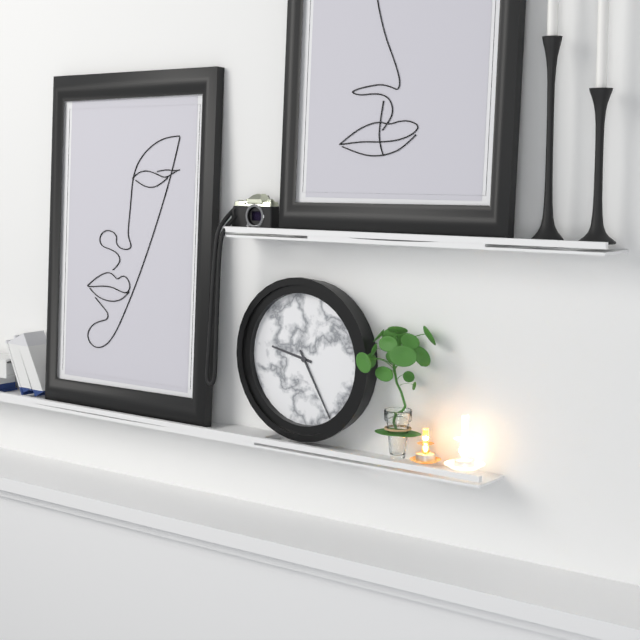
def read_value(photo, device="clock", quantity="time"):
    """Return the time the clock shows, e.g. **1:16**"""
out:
**9:25**
